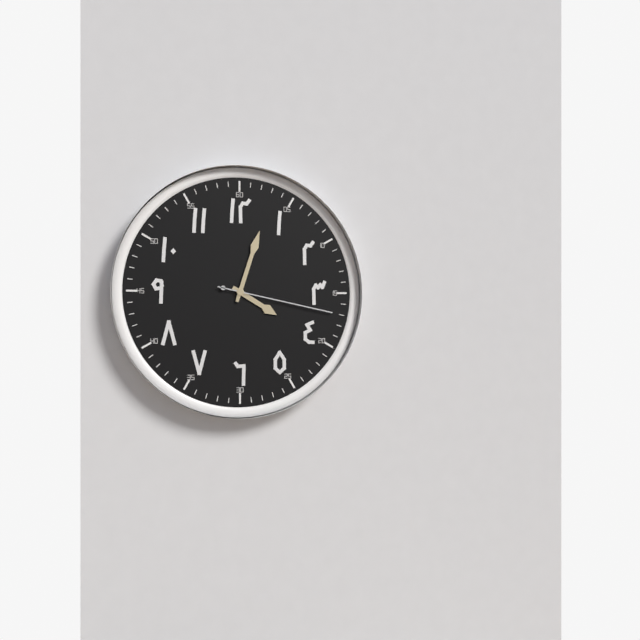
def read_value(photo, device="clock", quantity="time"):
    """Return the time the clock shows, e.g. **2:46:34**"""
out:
**4:03:17**
